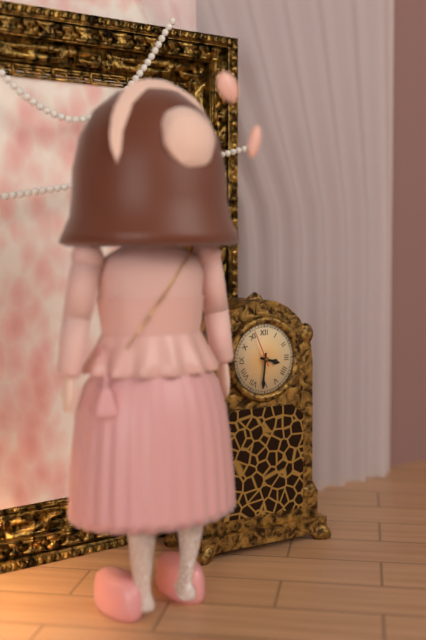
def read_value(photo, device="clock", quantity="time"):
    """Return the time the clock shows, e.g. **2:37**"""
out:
**3:31**
